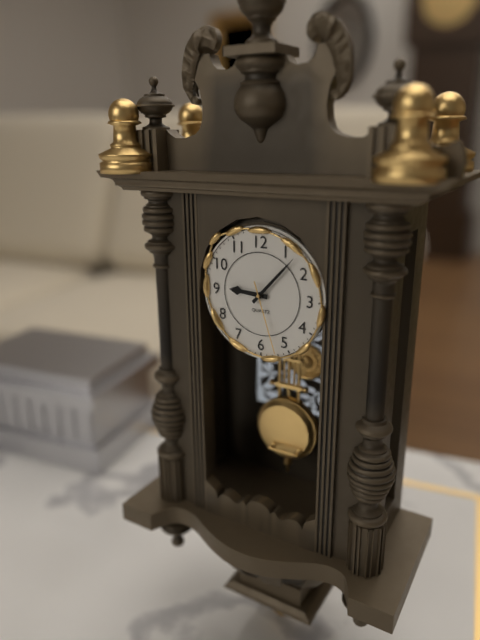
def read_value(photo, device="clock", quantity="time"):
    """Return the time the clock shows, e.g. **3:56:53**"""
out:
**9:07:27**
